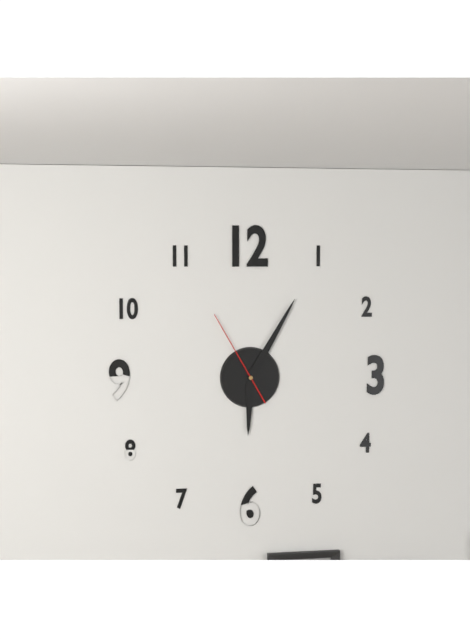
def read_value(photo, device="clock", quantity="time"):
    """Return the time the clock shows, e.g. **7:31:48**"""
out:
**6:05:55**
